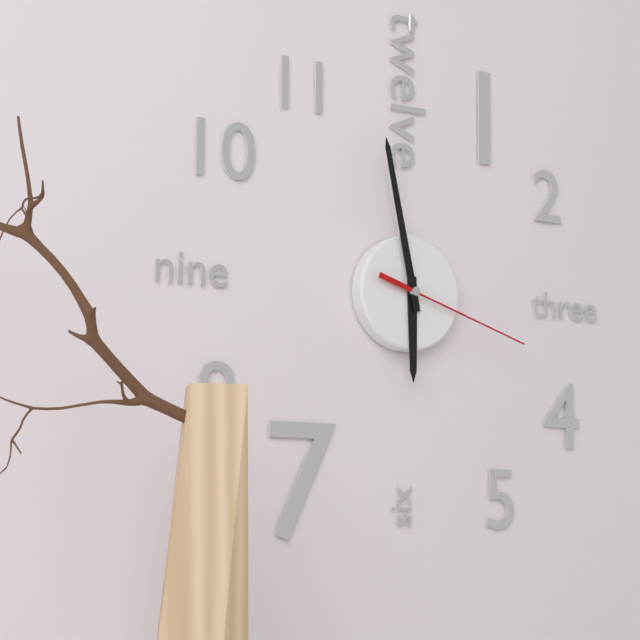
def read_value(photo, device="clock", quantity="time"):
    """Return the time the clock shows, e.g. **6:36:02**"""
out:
**5:58:18**
